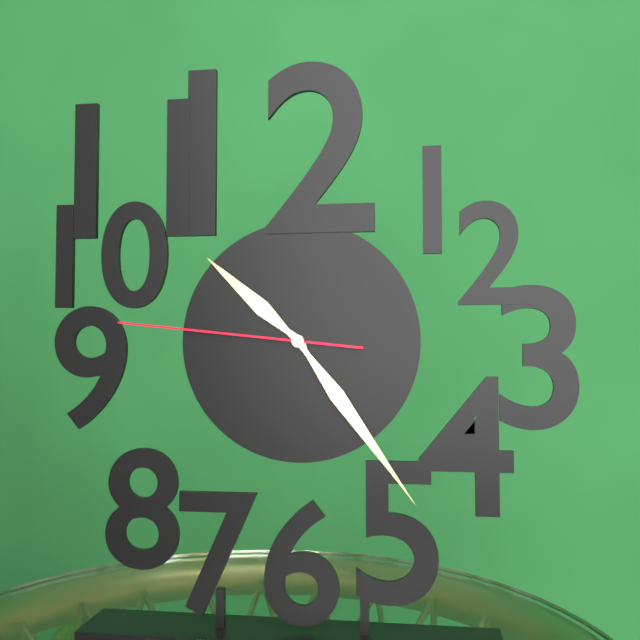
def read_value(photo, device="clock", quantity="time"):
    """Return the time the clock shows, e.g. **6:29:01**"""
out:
**10:24:46**
